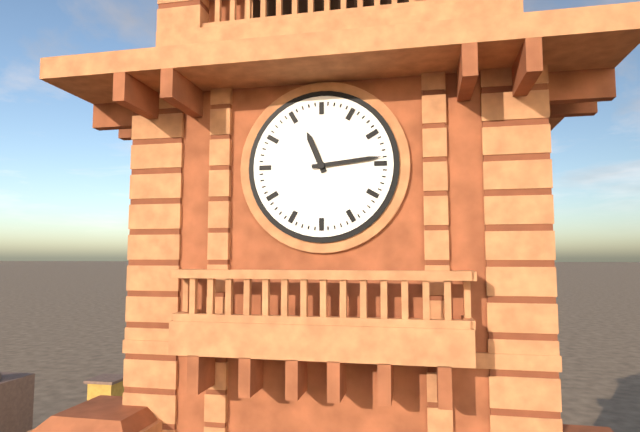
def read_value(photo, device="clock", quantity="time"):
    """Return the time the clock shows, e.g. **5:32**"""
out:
**11:14**
